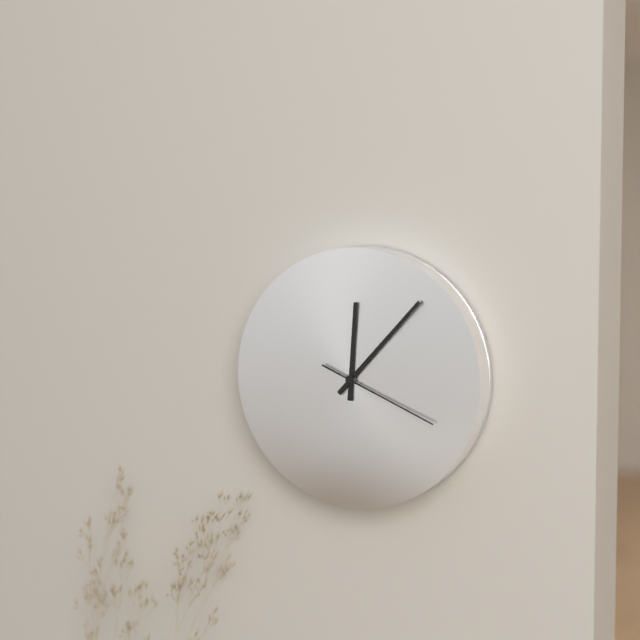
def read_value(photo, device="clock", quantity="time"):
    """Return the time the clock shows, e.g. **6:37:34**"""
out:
**12:07:19**
